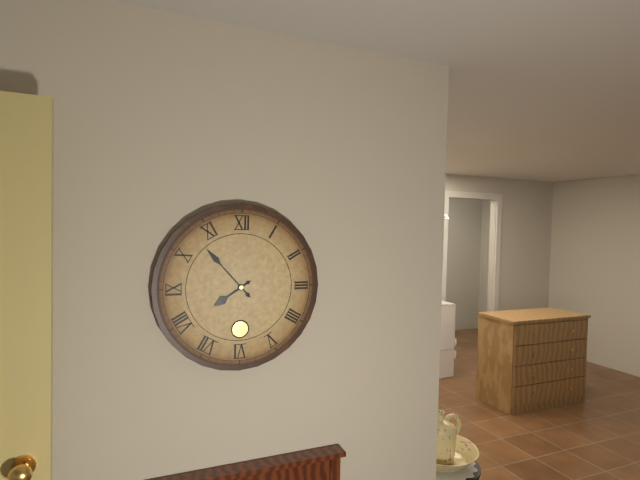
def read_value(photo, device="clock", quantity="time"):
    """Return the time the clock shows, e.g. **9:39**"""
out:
**7:53**
